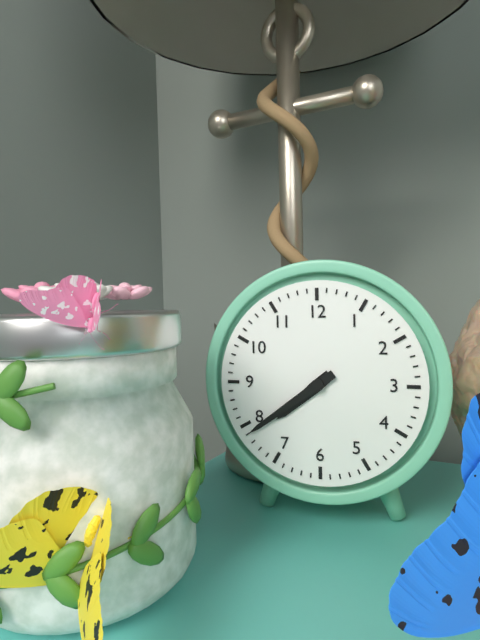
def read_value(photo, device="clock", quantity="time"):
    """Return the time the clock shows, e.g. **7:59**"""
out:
**7:39**
